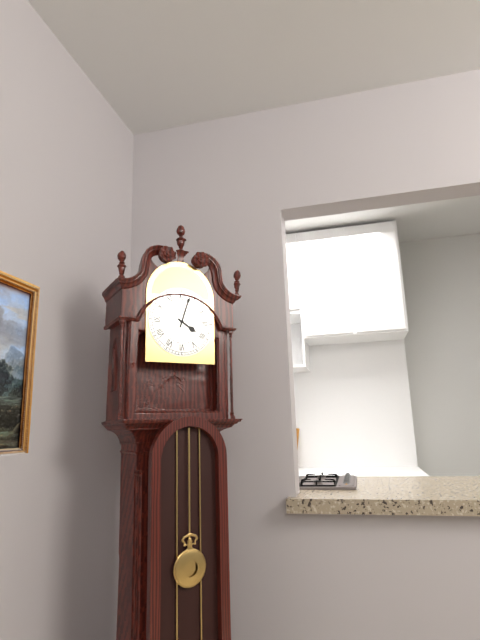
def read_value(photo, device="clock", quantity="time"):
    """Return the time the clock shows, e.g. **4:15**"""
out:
**4:03**
